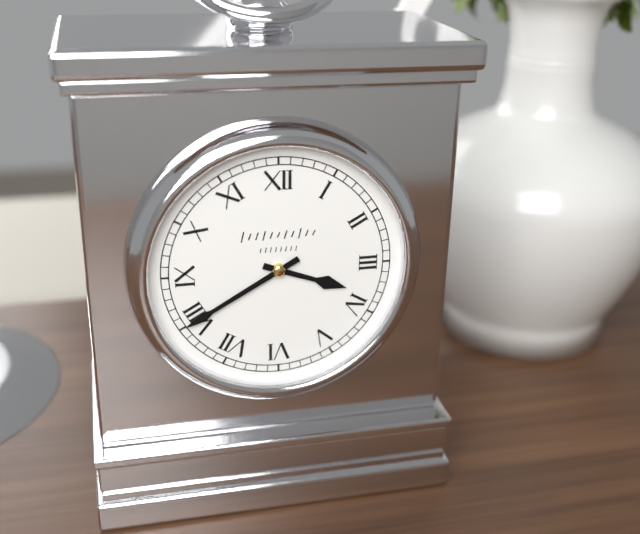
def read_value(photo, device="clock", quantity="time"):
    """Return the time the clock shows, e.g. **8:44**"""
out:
**3:40**
